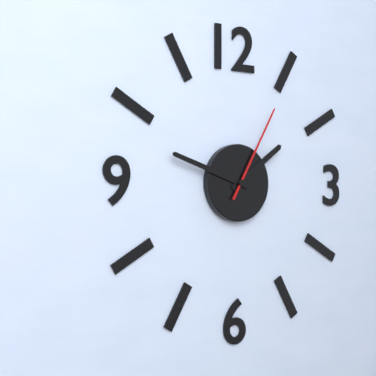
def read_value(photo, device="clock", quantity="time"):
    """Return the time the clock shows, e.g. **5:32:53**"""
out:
**1:48:05**
